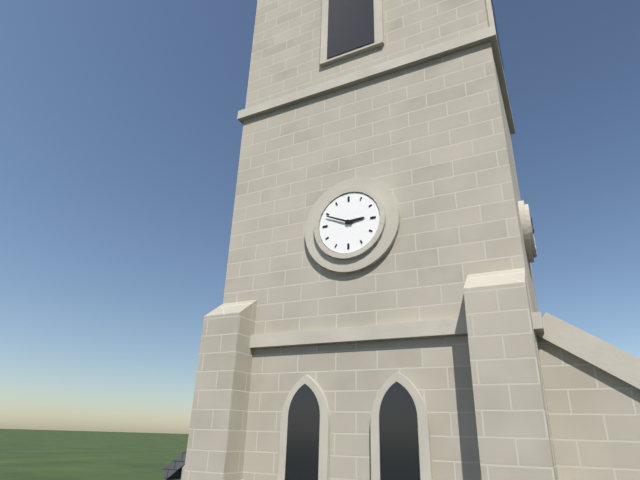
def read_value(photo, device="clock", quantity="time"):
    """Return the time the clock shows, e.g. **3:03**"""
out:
**2:49**
